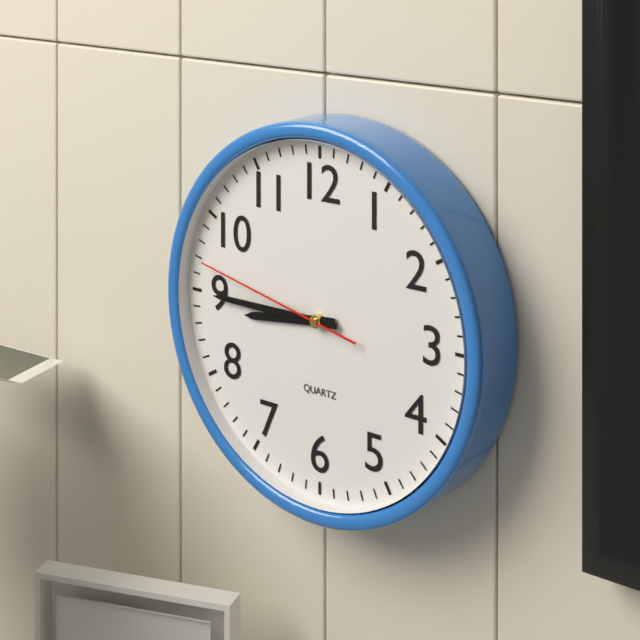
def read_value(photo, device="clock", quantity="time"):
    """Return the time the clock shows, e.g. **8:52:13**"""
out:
**8:45:47**
